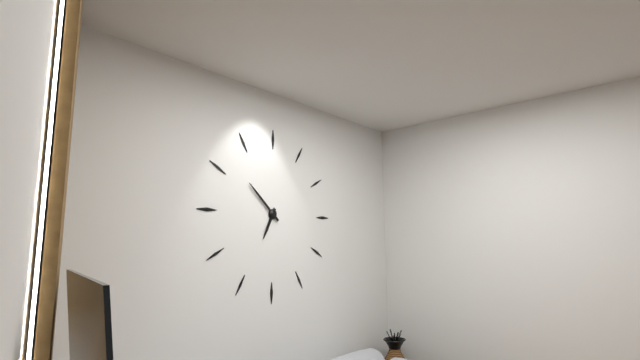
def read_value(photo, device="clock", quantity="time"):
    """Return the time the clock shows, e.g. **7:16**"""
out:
**6:52**
